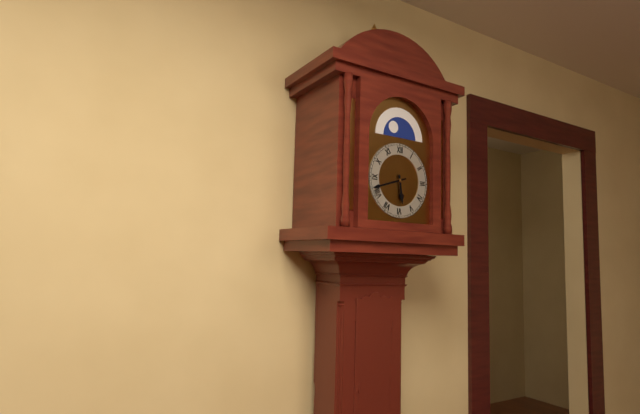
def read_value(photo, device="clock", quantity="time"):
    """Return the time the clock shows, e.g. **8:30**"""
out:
**5:42**
